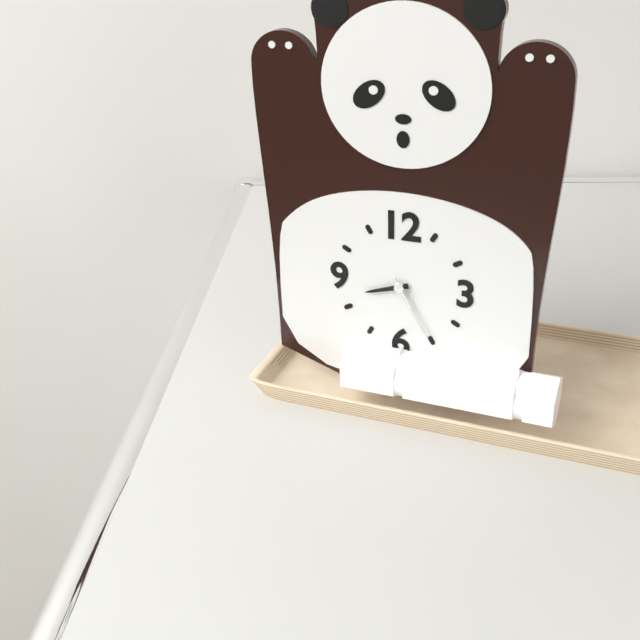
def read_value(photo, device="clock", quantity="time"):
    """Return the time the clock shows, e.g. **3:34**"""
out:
**8:25**
